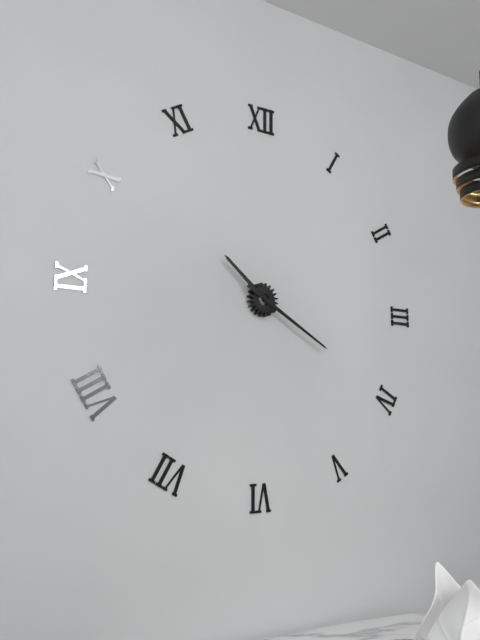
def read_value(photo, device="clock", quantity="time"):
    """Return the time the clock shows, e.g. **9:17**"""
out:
**10:20**
